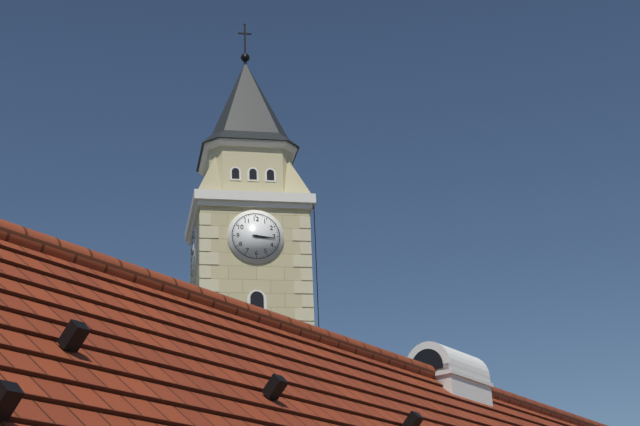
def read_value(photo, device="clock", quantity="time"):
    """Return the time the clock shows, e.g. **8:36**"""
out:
**3:16**
